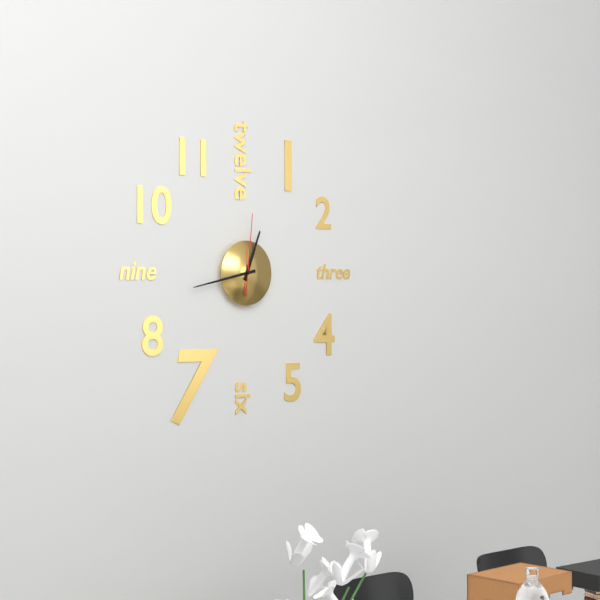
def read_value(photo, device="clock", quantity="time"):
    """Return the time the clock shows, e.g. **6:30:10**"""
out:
**12:43:01**
